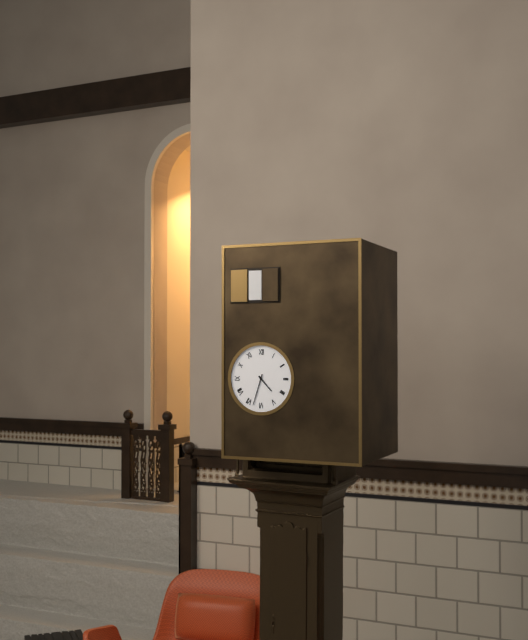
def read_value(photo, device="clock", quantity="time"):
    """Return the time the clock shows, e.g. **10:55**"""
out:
**4:33**
